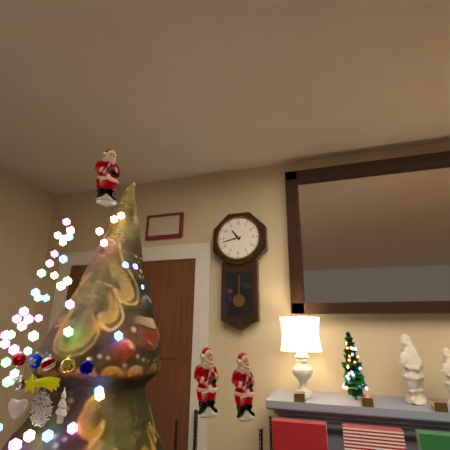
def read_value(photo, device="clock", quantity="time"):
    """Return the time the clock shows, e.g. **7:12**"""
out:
**10:43**
